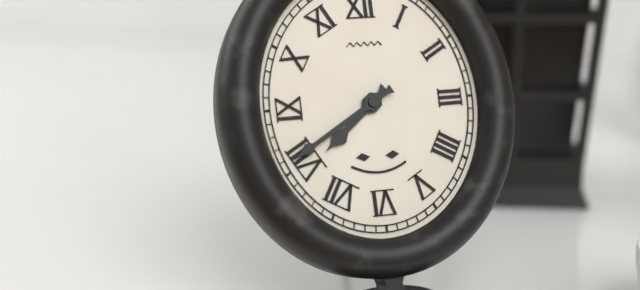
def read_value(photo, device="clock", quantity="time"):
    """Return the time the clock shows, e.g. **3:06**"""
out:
**7:40**
